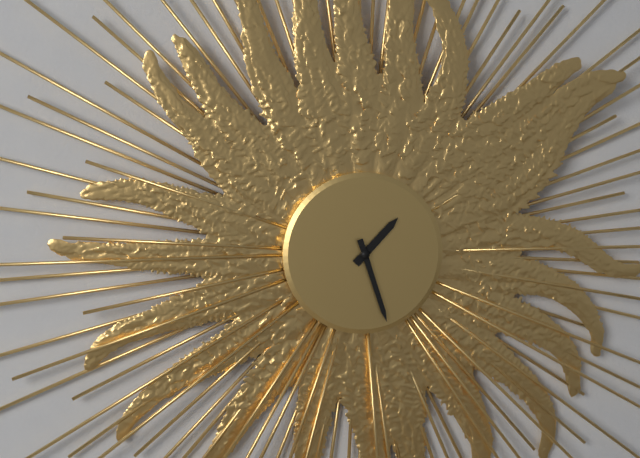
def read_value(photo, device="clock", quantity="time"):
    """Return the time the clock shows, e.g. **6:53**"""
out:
**1:27**
